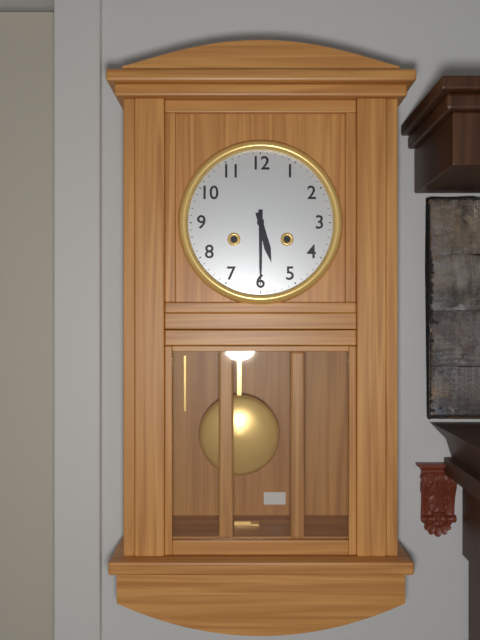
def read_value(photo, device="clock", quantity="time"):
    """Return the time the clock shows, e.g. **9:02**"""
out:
**5:30**
